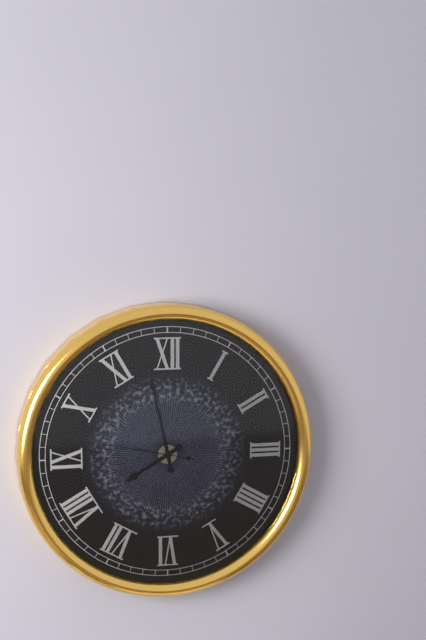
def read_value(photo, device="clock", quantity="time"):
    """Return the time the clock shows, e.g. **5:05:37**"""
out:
**7:58:47**
